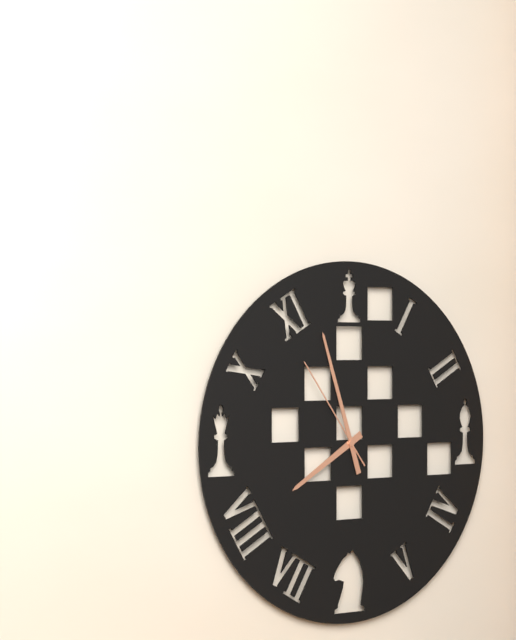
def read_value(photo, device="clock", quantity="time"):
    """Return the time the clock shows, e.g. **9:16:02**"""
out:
**7:57:54**
